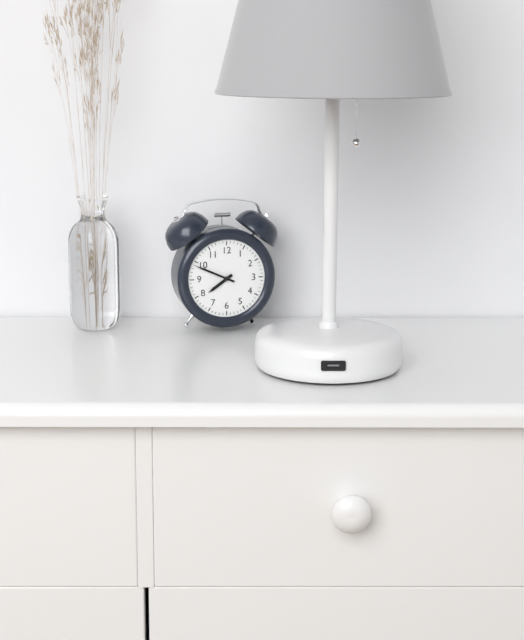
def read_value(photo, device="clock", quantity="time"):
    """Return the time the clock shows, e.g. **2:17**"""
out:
**7:49**
